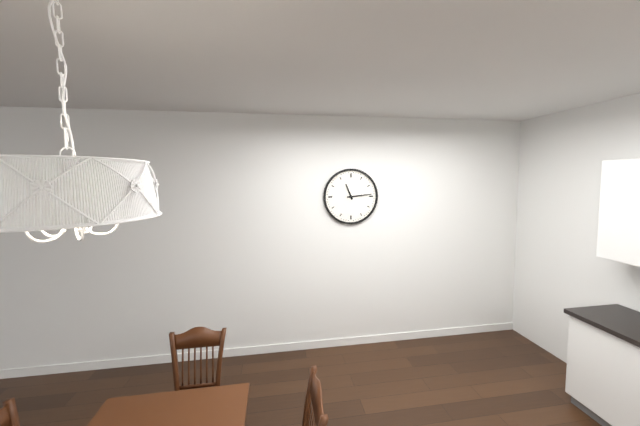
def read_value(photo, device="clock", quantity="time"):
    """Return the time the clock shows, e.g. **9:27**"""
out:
**11:14**
